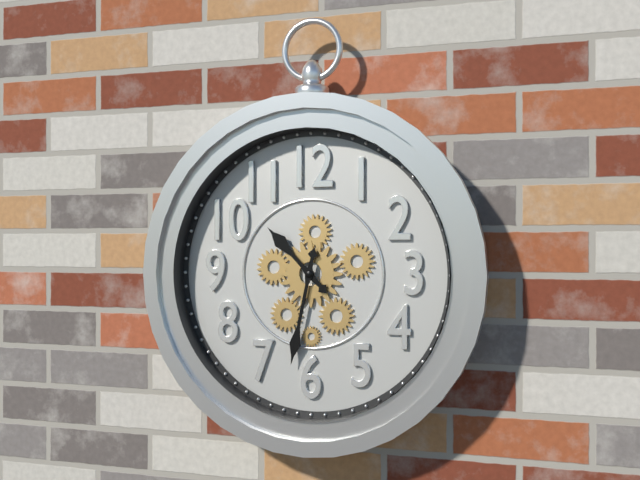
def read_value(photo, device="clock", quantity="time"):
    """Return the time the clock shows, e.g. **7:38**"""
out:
**10:32**
